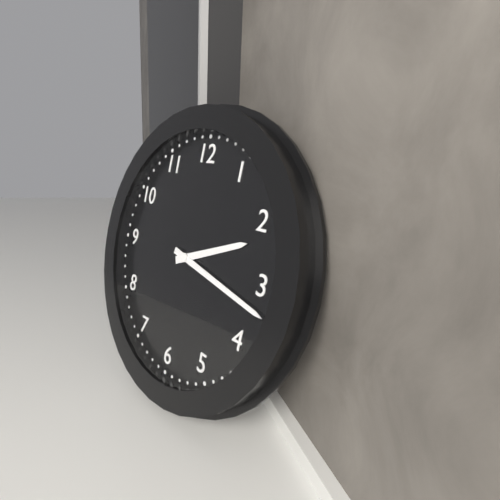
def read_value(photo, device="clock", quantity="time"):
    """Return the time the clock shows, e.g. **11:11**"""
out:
**2:17**
